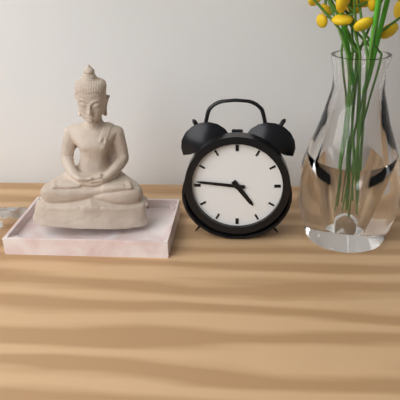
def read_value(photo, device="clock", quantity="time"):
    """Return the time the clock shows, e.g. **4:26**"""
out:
**4:46**
